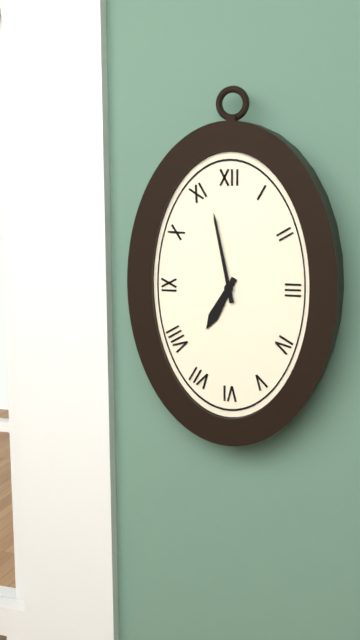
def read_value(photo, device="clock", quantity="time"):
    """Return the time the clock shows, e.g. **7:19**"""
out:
**6:58**
